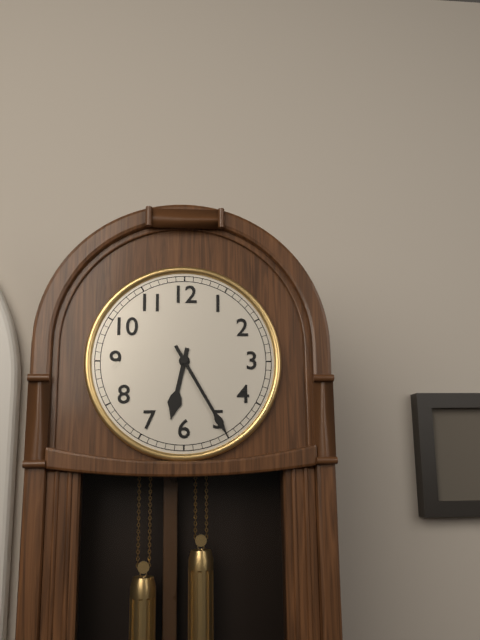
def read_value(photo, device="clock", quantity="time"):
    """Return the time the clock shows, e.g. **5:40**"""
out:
**6:25**
